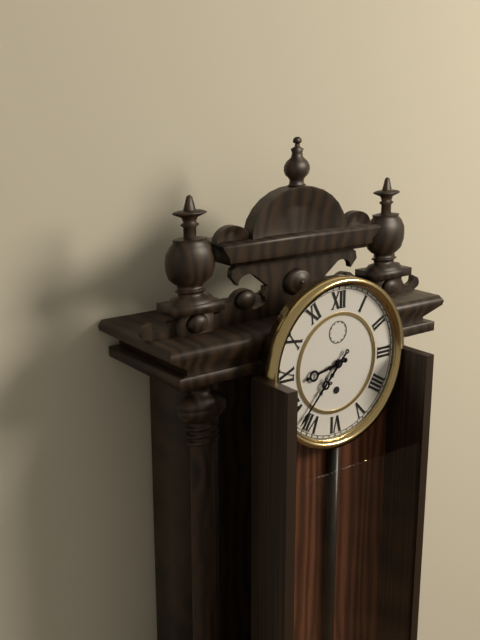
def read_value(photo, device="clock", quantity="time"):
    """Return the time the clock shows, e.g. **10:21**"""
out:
**8:37**
